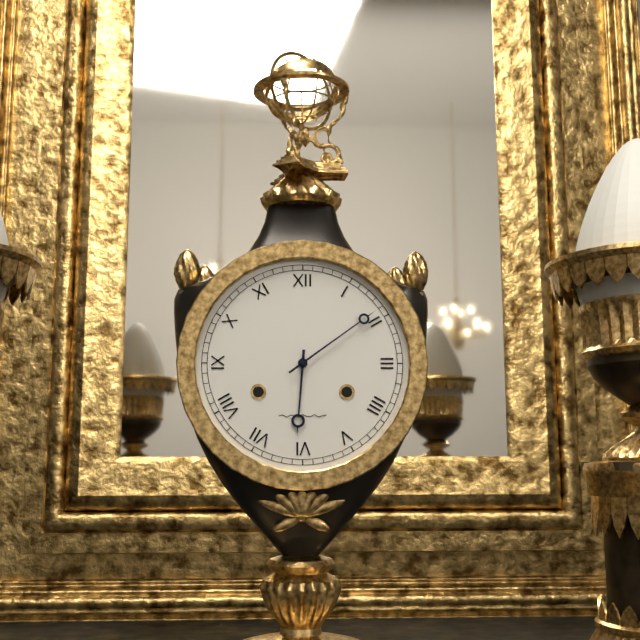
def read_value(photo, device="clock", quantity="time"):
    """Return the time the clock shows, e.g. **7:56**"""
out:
**6:09**
